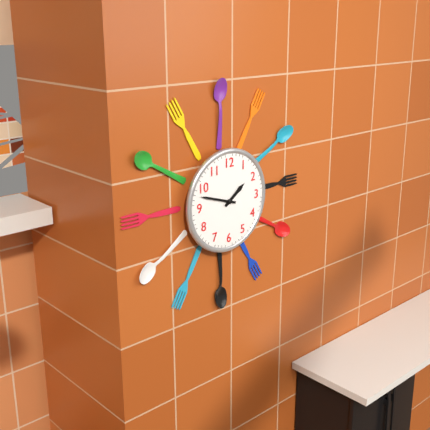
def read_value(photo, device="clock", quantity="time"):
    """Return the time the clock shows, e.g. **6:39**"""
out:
**1:48**
